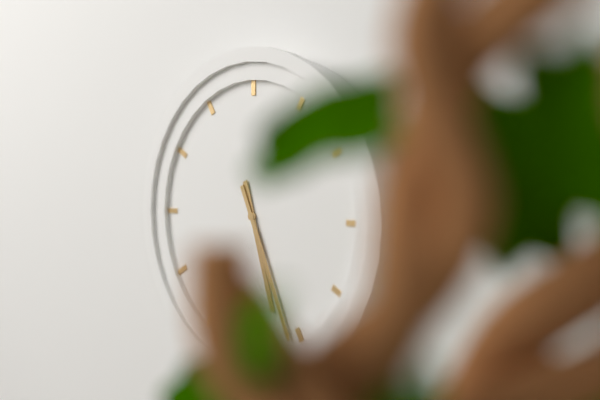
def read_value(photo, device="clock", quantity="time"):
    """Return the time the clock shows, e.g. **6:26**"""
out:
**5:26**
